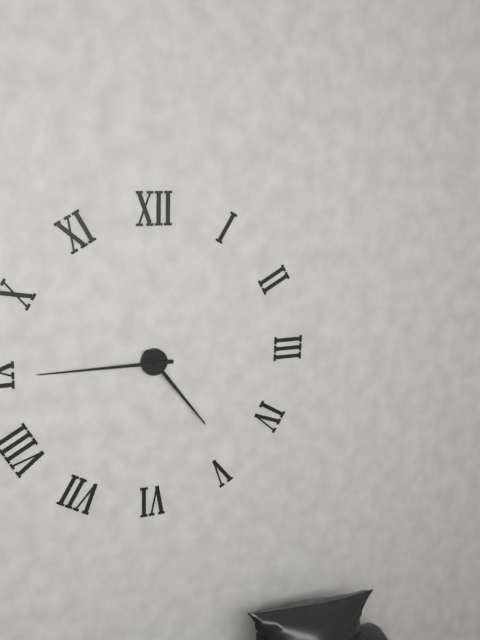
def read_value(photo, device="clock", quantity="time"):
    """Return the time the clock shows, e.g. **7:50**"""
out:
**4:45**
